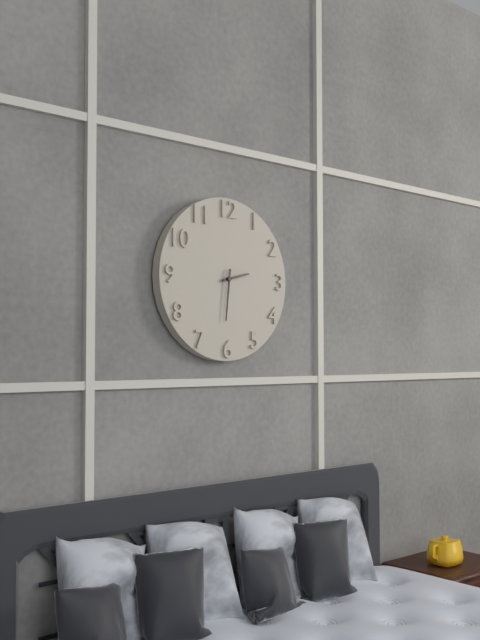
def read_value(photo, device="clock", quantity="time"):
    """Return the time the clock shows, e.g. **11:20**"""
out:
**2:31**
